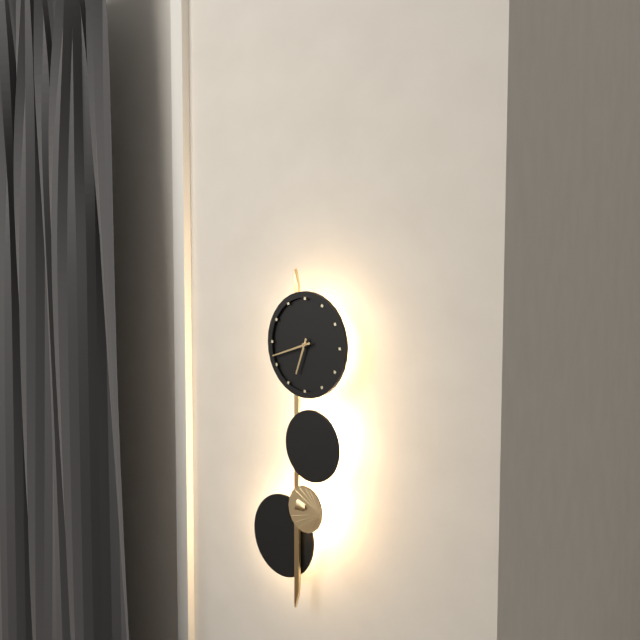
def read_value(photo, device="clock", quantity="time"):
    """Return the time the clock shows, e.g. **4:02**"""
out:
**6:42**
